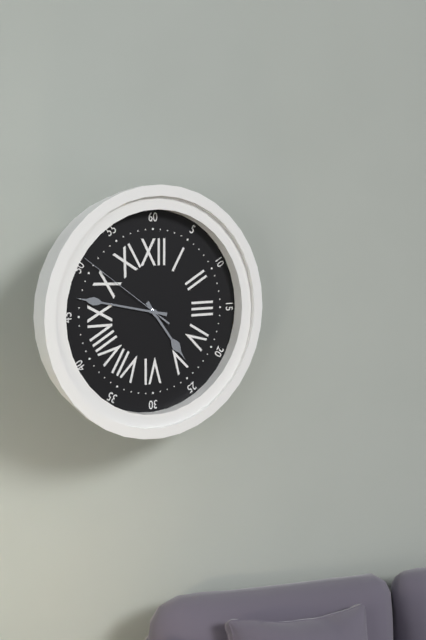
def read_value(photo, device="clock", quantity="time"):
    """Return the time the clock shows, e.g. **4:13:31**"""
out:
**4:47:51**
